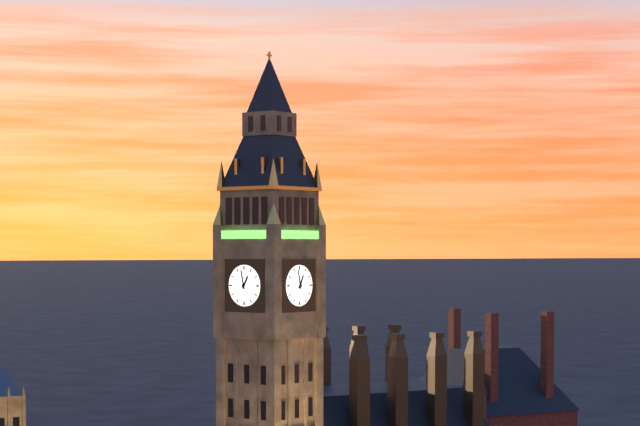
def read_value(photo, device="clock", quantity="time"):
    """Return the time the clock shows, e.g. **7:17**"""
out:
**12:58**
